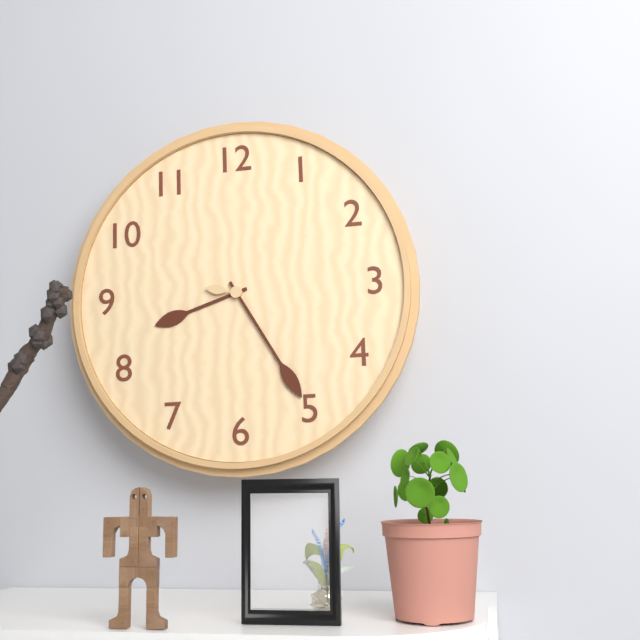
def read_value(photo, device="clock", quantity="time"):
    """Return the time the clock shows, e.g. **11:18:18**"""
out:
**8:25:47**
